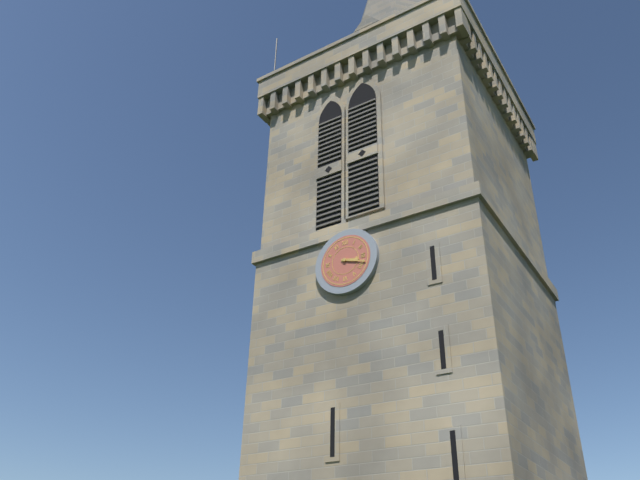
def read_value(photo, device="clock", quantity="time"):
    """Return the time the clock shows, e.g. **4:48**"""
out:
**3:18**
